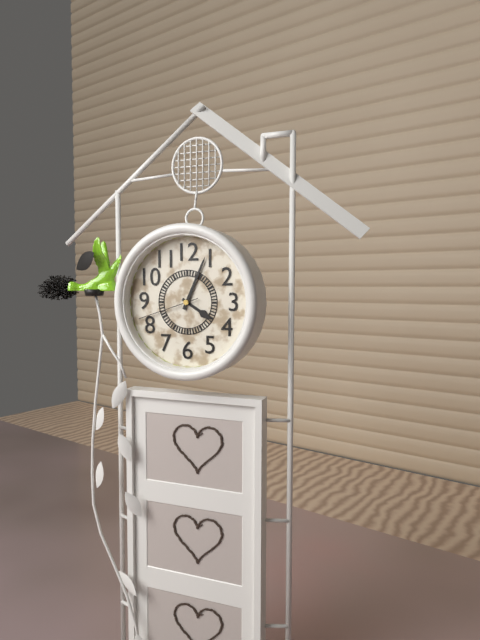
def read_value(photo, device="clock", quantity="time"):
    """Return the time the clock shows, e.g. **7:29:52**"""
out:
**4:04:42**
